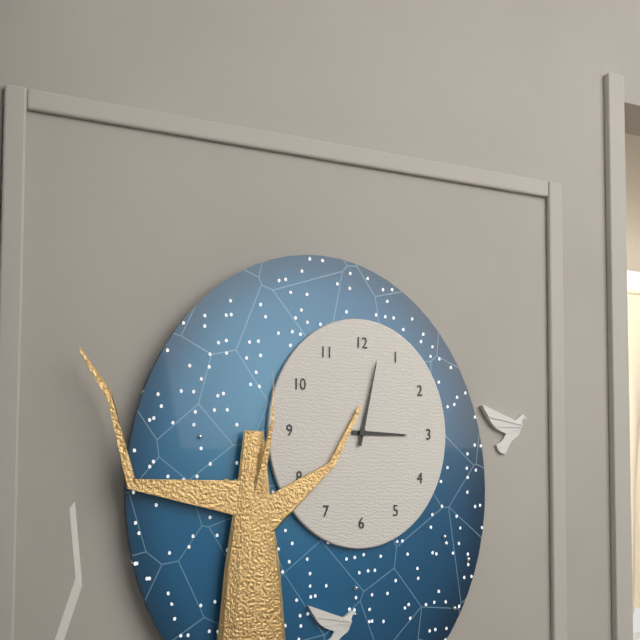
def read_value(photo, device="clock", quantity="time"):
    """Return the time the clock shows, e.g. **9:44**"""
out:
**3:02**
